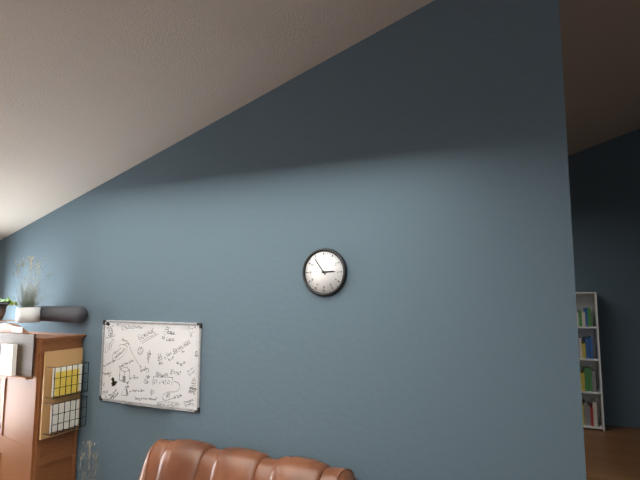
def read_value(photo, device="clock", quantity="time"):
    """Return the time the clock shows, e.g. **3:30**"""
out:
**2:54**
